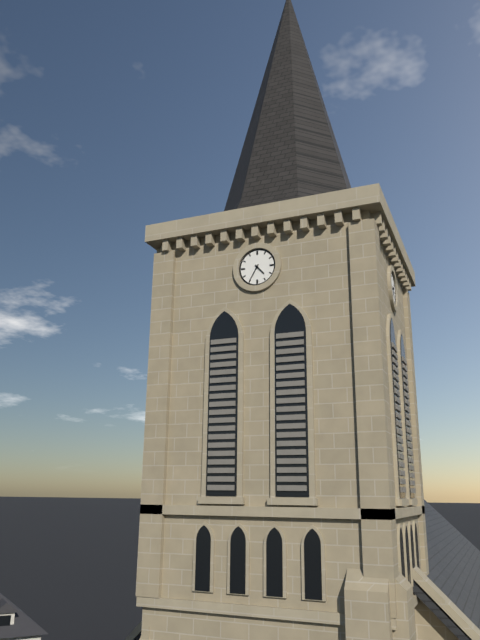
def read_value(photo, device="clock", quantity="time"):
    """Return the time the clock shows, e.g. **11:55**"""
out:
**4:35**
